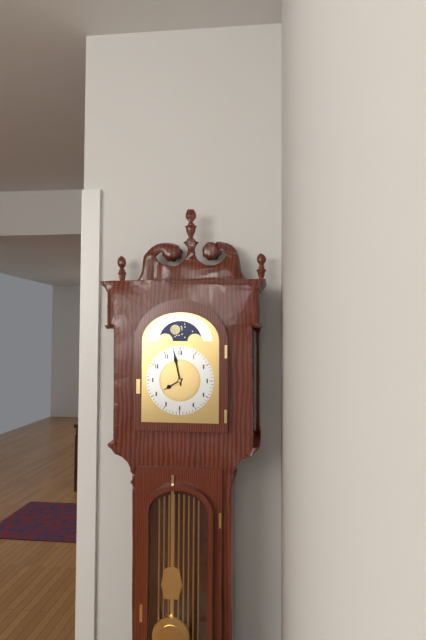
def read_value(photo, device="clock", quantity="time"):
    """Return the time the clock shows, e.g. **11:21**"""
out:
**7:58**
